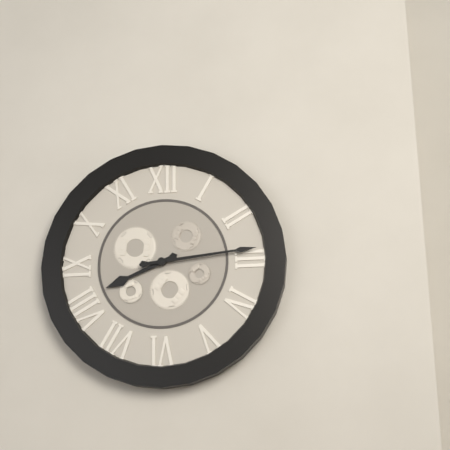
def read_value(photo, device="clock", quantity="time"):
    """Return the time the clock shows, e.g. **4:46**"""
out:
**8:14**
